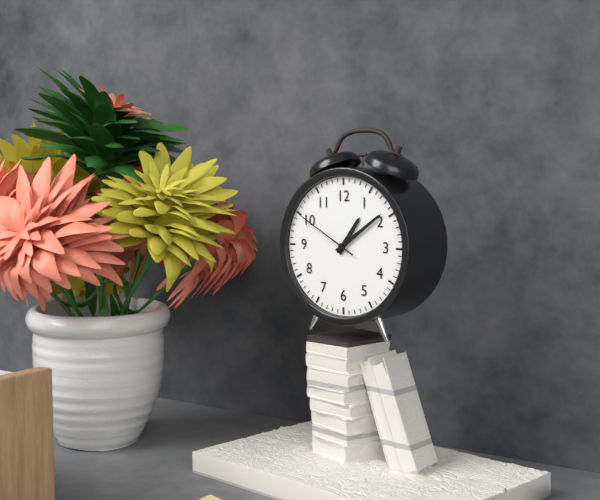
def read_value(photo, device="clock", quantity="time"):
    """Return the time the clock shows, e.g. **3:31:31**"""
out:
**1:09:50**
